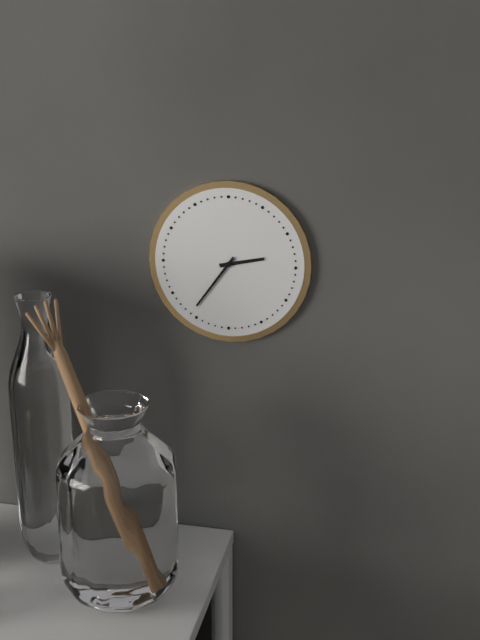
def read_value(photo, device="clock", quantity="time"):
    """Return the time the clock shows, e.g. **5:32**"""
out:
**2:36**
